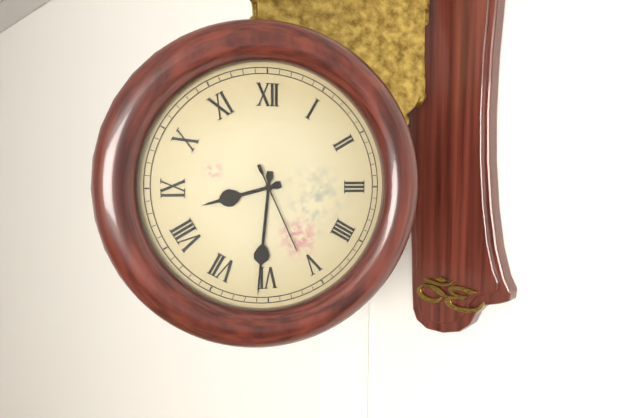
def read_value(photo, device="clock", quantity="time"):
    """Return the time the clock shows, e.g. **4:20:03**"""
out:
**8:31:26**
